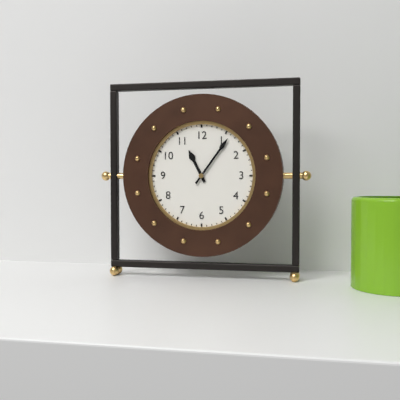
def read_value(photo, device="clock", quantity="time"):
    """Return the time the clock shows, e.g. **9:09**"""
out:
**11:06**
